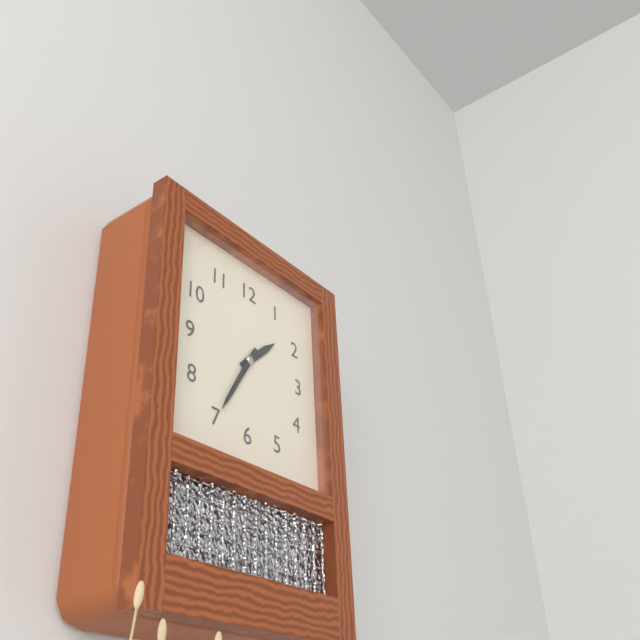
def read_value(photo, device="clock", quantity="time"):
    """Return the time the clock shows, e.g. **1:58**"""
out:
**1:35**
